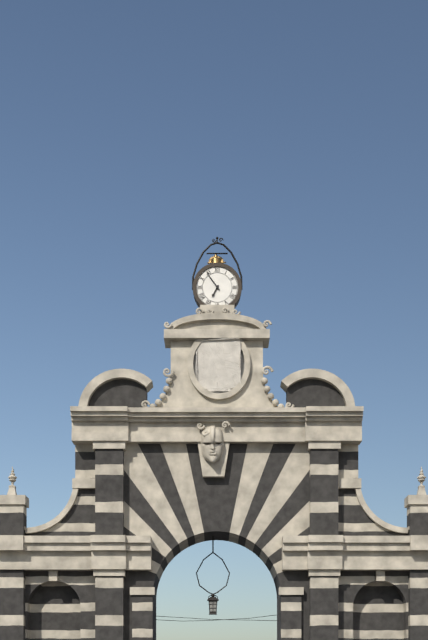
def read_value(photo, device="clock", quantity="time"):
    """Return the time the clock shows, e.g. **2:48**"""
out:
**6:54**
